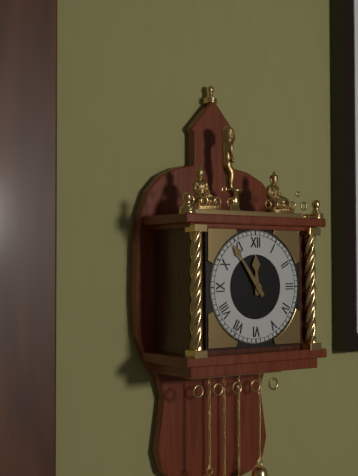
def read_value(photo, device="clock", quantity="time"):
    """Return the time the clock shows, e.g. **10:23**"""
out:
**11:54**
